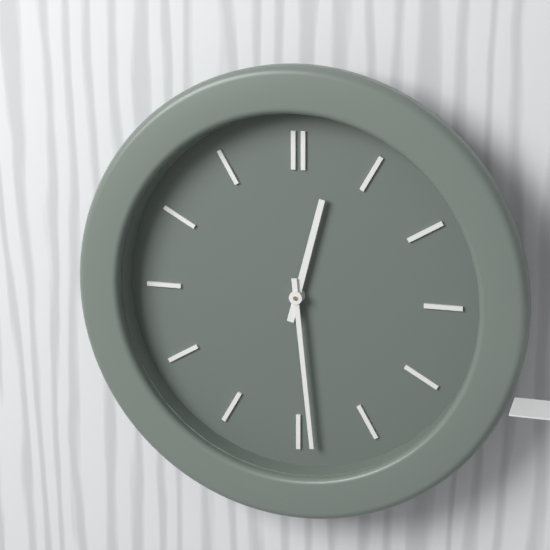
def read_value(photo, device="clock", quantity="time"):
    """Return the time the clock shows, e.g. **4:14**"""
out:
**12:29**
